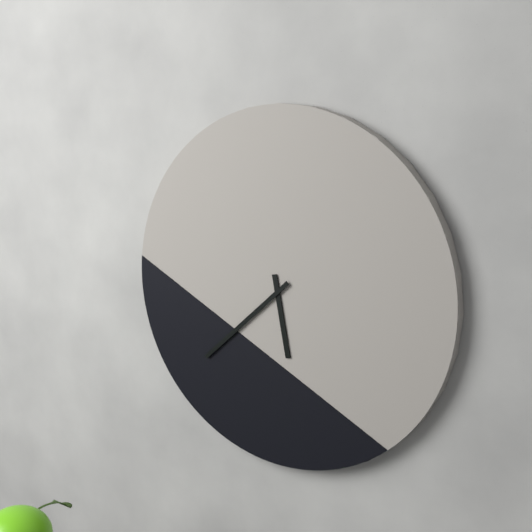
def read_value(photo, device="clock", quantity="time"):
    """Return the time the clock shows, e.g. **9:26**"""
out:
**5:38**
